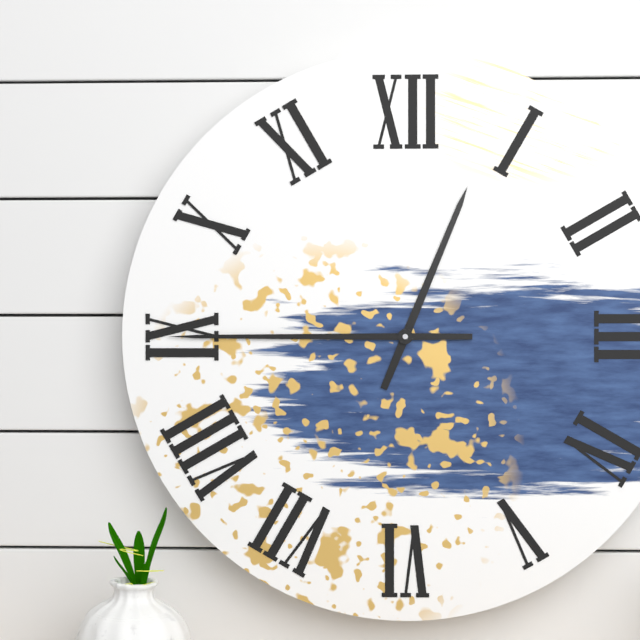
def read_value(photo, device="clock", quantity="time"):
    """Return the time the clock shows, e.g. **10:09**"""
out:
**12:45**
